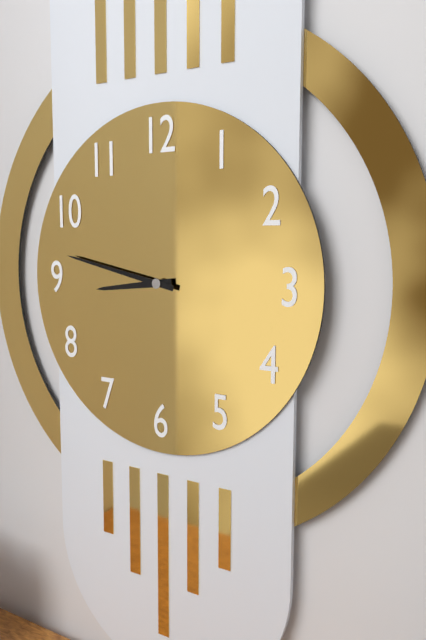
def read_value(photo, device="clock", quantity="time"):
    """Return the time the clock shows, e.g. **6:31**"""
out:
**8:47**
